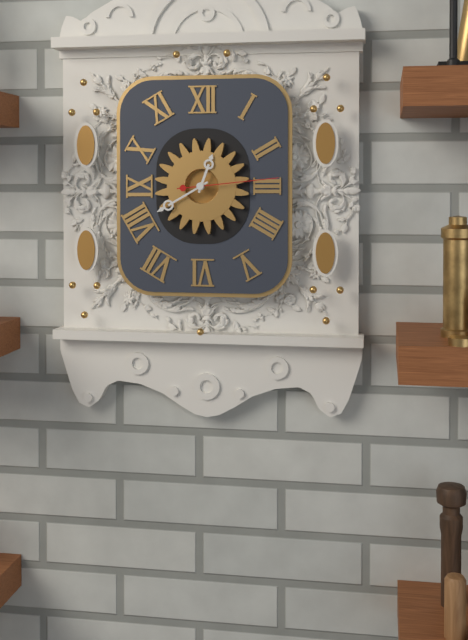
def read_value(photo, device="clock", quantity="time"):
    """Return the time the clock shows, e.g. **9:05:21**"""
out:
**12:40:14**
